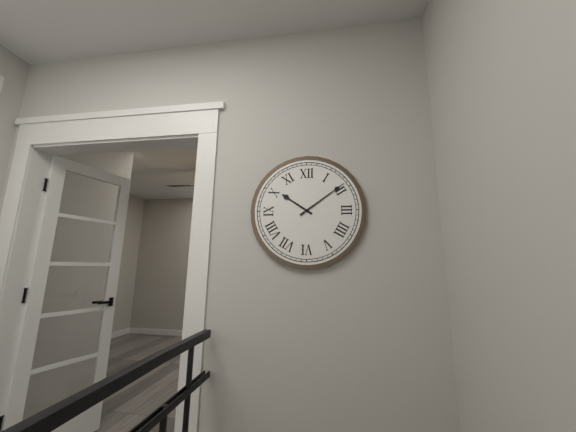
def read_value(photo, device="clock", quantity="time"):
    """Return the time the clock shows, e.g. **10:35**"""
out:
**10:09**
